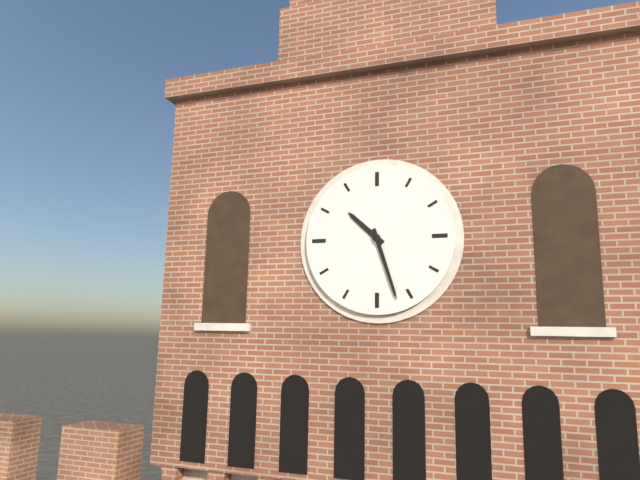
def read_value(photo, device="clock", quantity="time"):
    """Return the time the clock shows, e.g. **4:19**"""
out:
**10:27**
